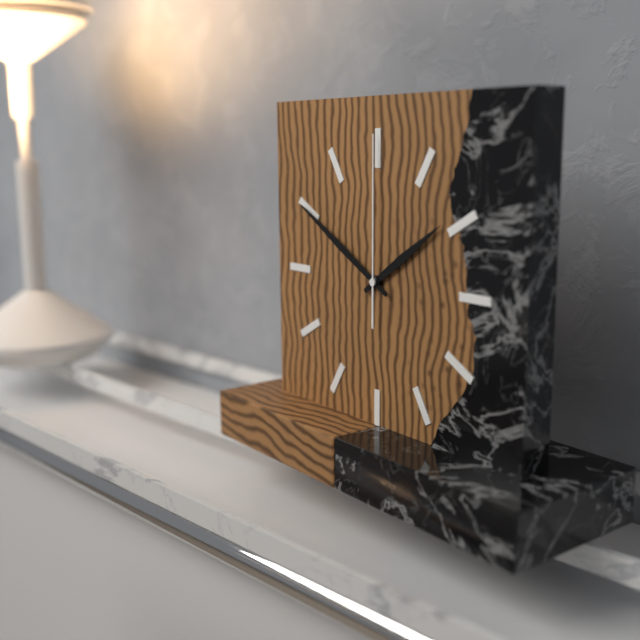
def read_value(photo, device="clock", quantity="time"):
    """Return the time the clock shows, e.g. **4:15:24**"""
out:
**1:50:00**
